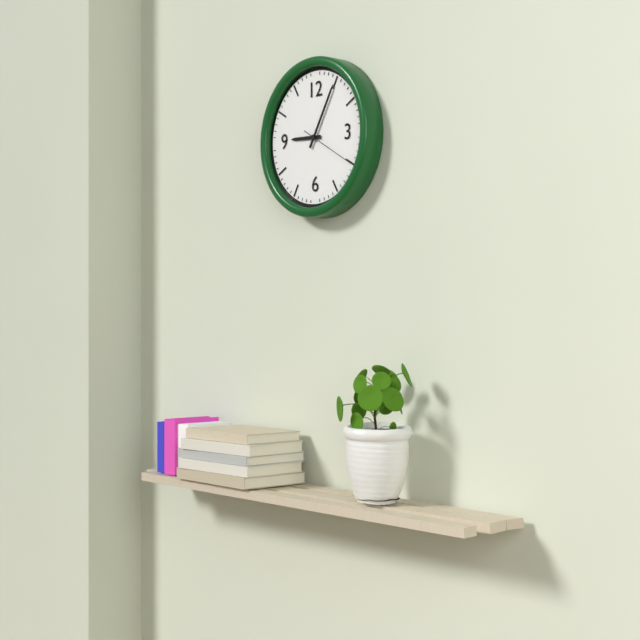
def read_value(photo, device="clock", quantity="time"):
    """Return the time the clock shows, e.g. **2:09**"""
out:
**9:05**
